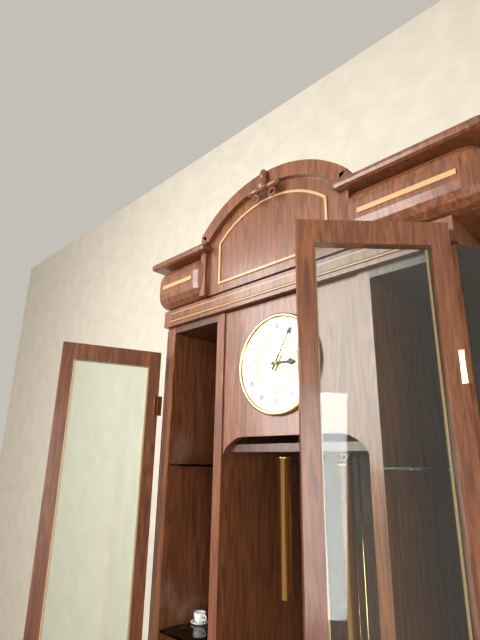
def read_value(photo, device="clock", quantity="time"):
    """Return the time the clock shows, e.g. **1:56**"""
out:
**3:05**
